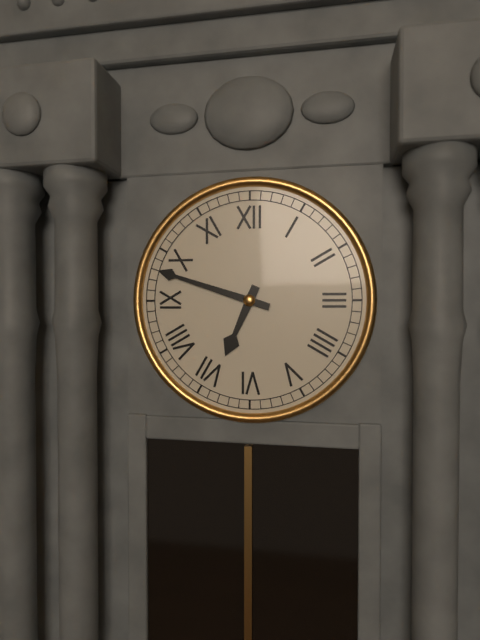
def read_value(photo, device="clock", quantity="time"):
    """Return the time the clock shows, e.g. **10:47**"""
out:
**6:48**
